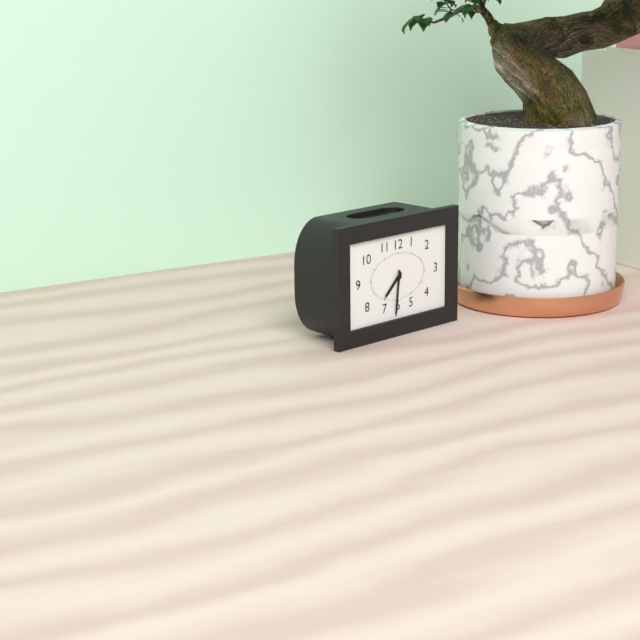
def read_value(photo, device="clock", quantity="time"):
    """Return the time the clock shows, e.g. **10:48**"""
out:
**7:31**
